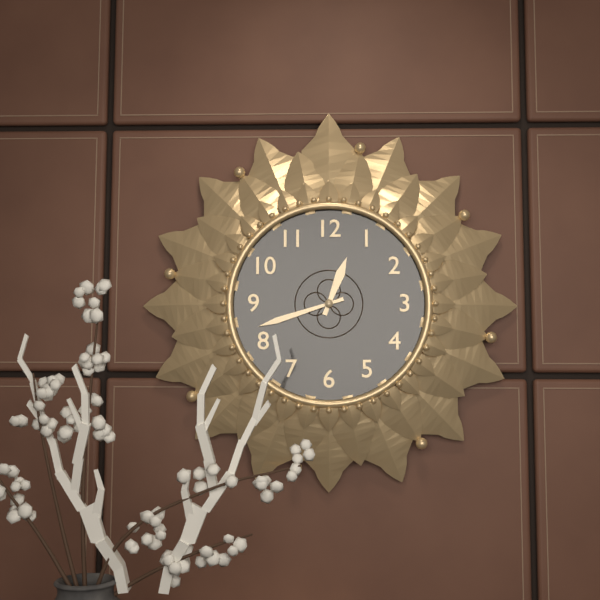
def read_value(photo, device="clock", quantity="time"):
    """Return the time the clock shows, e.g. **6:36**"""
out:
**12:42**
